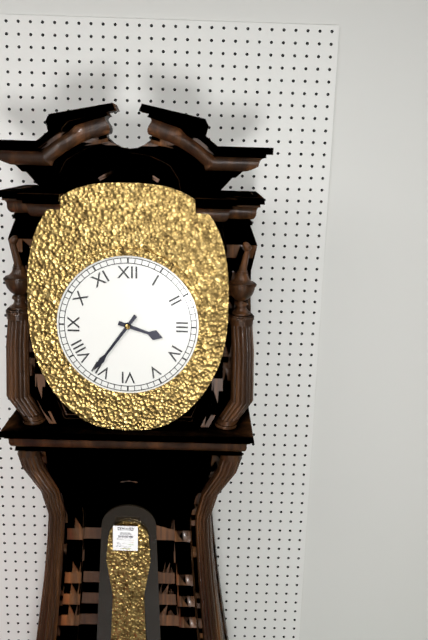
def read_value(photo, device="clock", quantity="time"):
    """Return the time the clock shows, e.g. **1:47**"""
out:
**3:36**
